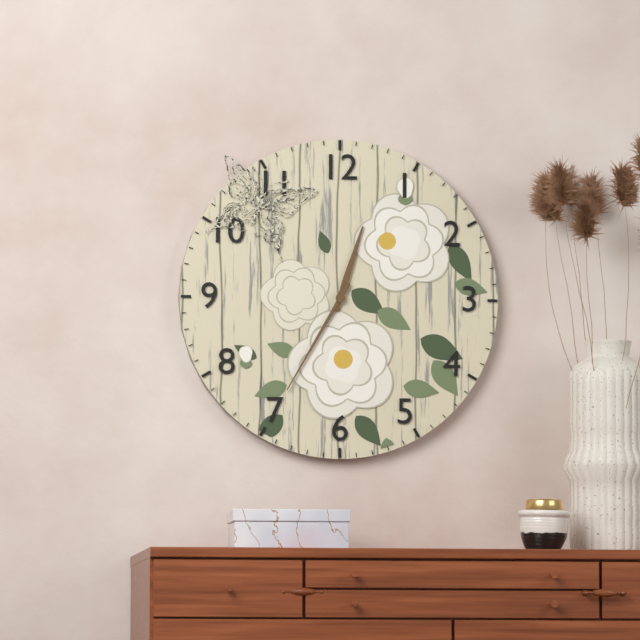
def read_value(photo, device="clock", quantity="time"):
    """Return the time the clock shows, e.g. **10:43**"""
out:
**12:35**
